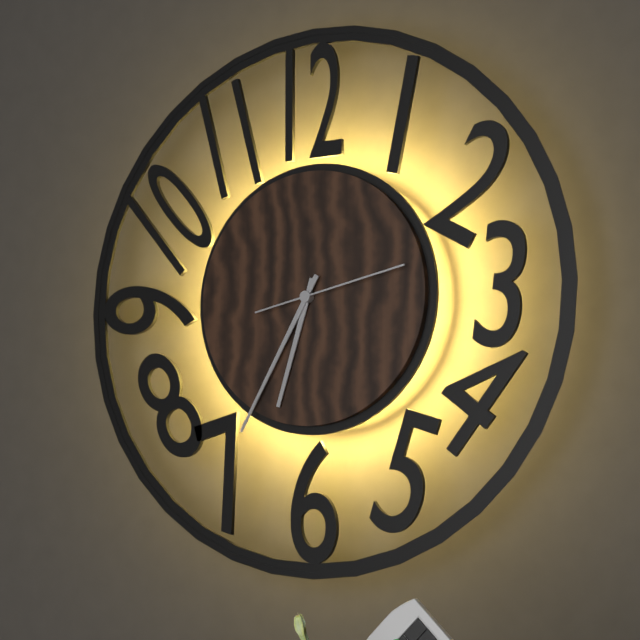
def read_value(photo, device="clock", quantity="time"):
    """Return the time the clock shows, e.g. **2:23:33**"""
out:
**6:35:13**
